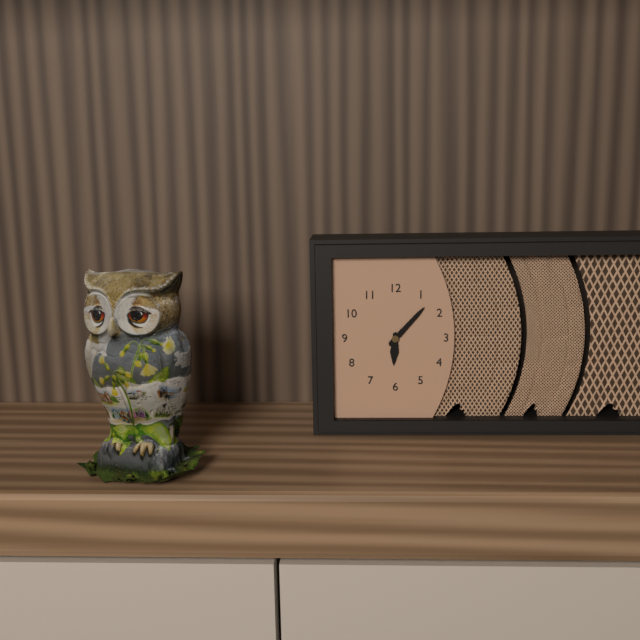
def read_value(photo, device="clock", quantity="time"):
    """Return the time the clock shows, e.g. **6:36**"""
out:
**6:07**
